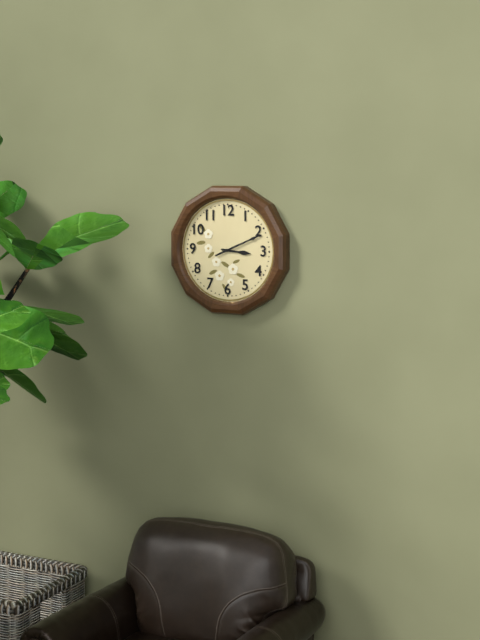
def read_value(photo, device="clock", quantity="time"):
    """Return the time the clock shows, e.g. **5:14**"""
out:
**3:11**
